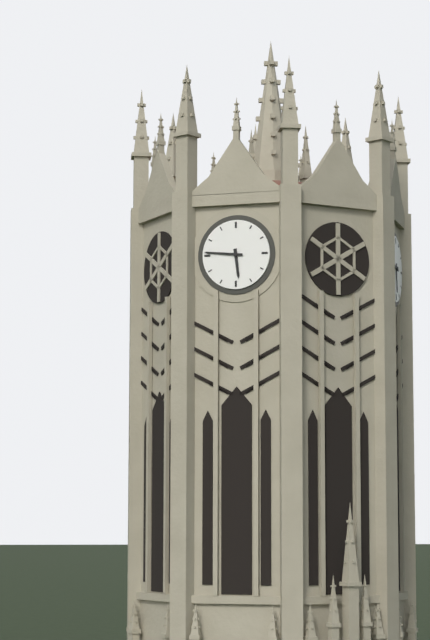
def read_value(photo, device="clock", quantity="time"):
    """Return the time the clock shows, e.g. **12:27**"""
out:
**5:46**
